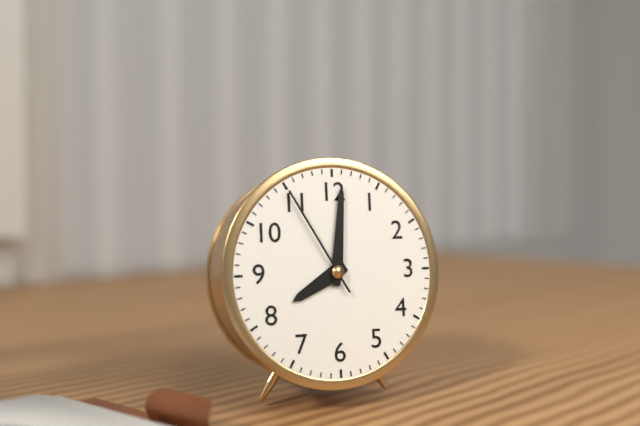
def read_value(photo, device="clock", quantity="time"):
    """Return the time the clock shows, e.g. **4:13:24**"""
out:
**8:01:55**
